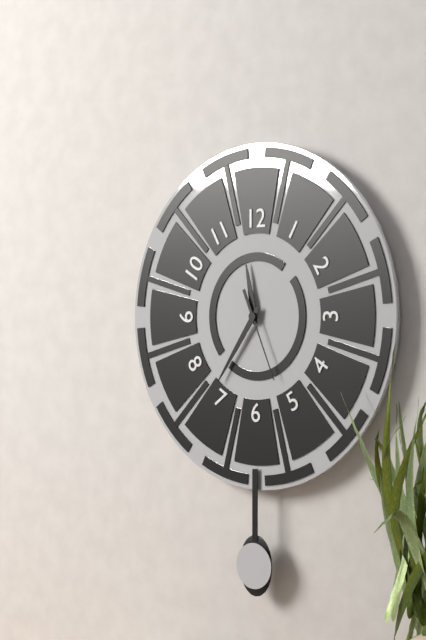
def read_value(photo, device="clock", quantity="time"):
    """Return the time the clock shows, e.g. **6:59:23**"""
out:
**11:36:26**
